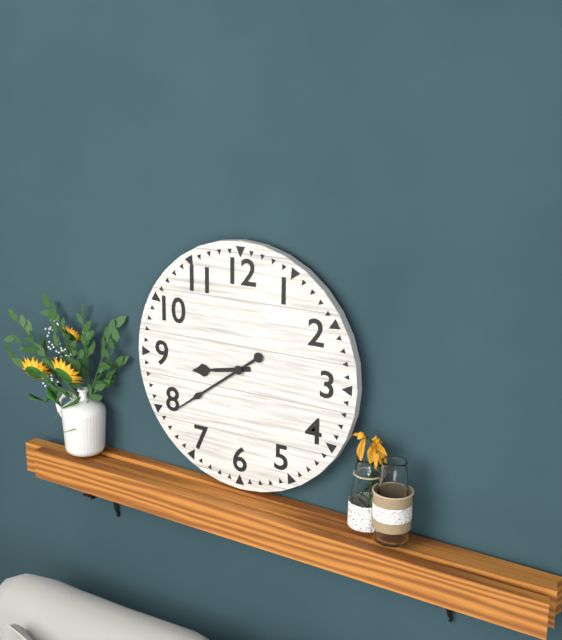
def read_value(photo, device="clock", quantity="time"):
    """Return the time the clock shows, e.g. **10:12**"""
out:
**8:39**
